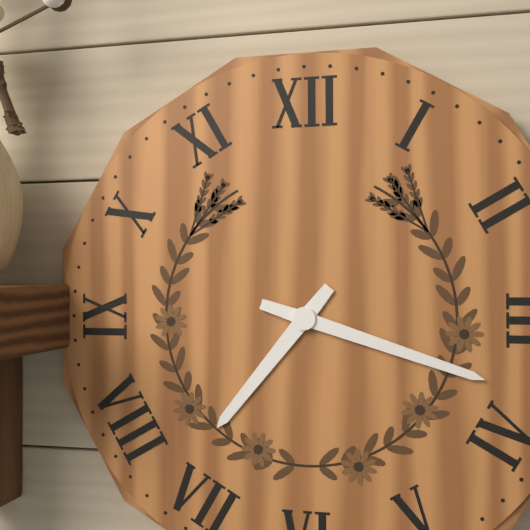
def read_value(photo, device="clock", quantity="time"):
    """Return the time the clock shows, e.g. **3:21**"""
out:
**7:18**
